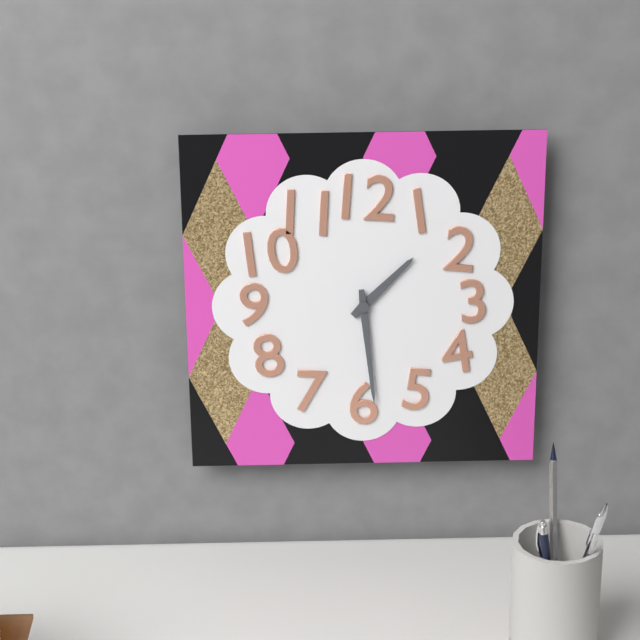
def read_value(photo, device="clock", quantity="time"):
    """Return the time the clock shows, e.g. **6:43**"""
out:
**1:29**
